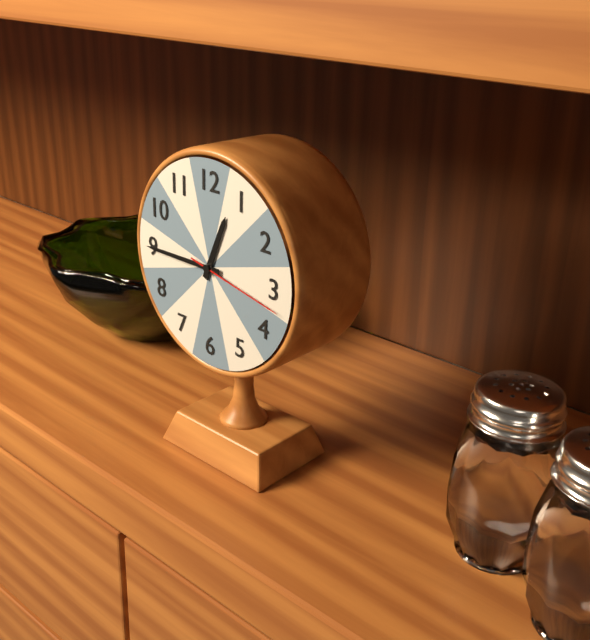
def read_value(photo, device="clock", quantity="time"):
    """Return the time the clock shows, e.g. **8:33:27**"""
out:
**12:45:17**
